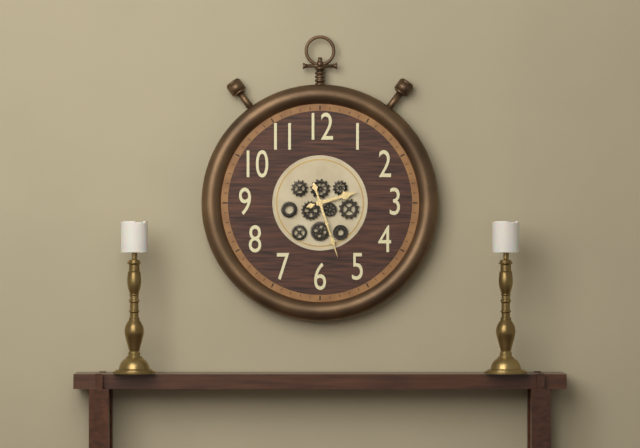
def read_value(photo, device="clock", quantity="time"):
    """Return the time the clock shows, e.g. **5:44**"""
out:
**2:27**
